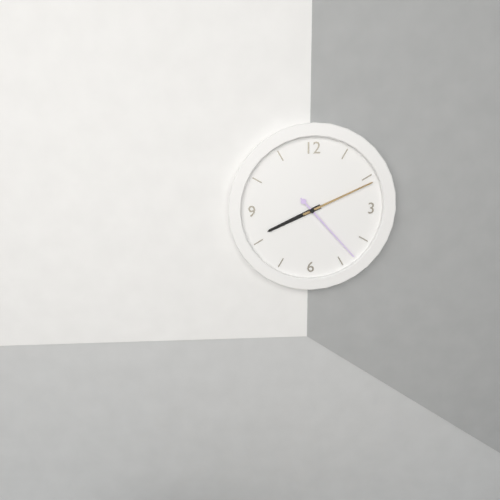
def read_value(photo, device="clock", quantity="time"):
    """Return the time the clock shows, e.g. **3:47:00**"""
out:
**8:11:23**
